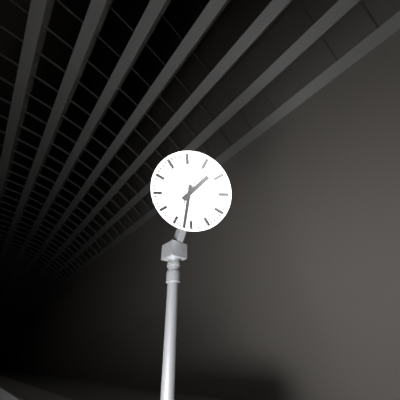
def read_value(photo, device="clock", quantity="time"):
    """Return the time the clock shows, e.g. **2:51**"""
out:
**2:37**
